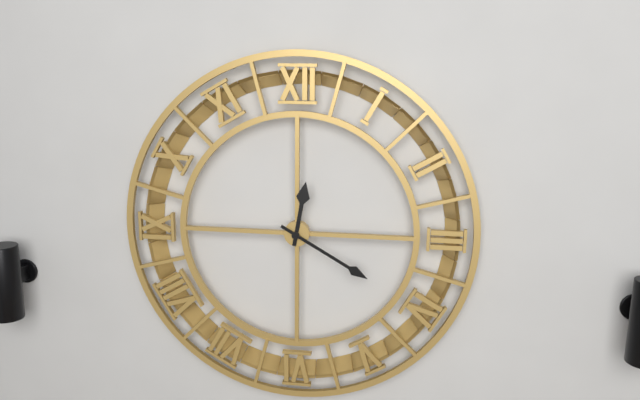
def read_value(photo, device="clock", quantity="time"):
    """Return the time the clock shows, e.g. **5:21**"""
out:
**12:20**
